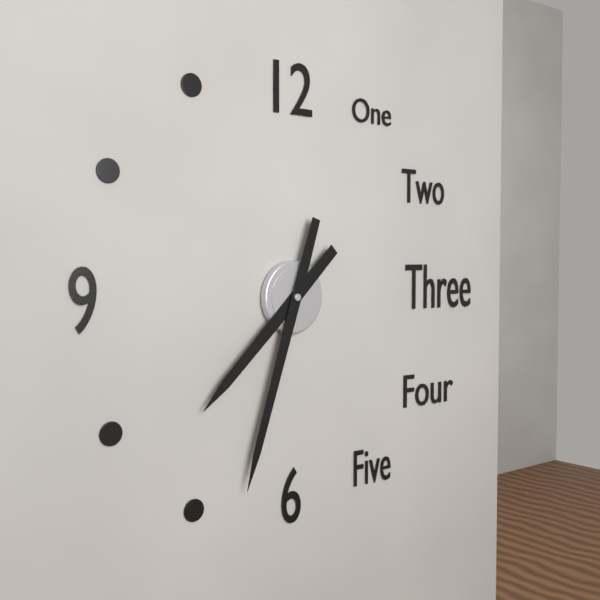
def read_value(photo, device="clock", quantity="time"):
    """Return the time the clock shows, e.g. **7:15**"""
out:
**7:33**
